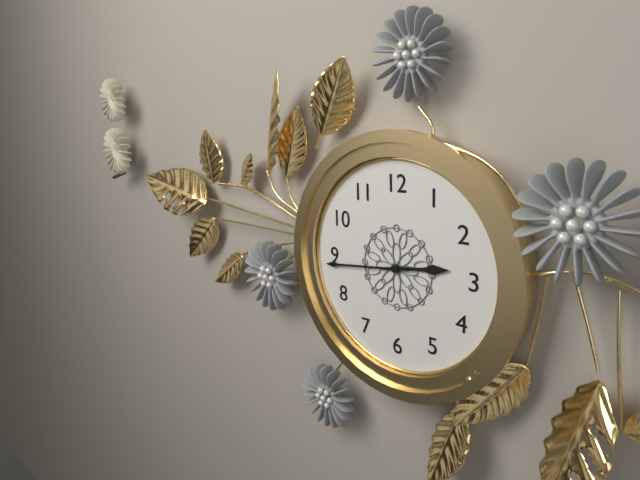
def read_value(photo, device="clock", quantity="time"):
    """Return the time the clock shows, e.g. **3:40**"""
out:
**2:44**
